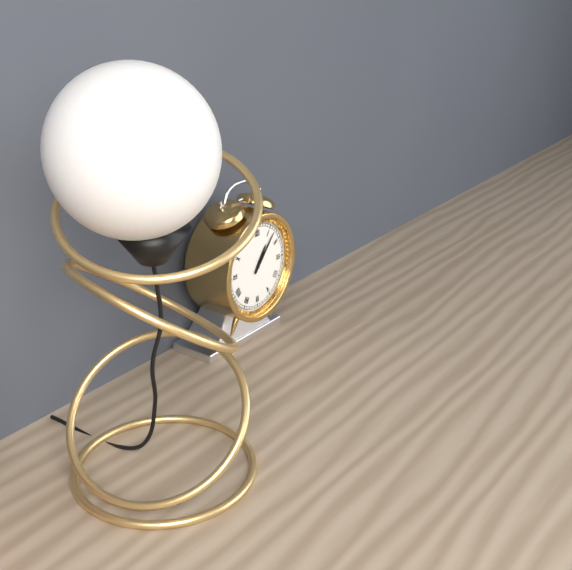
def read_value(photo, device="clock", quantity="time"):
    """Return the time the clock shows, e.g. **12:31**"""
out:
**1:07**
